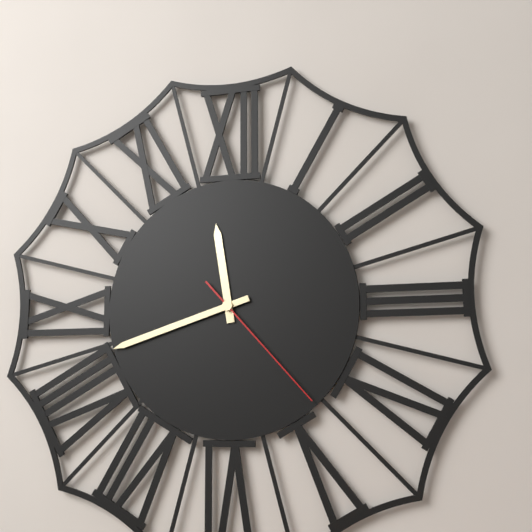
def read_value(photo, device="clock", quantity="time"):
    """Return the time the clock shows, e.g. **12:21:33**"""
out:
**11:42:23**
